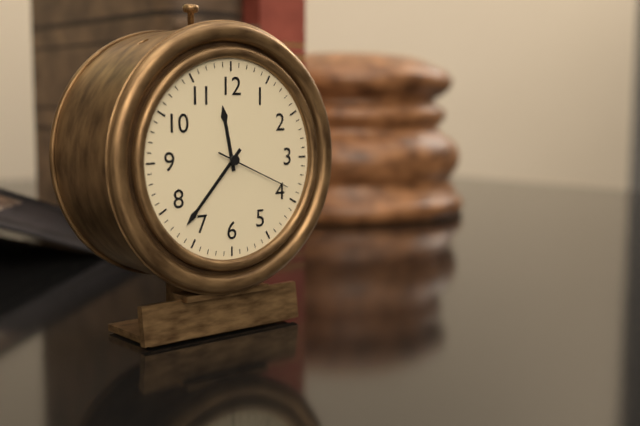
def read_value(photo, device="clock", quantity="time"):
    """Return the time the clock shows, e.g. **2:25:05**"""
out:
**11:37:19**
